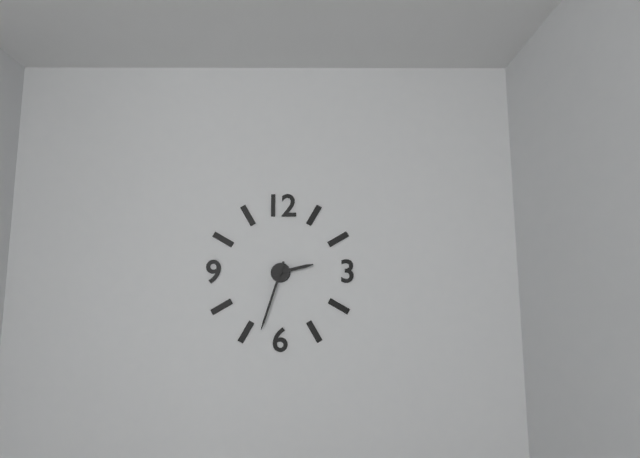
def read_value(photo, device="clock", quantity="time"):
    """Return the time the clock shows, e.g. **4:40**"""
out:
**2:33**
